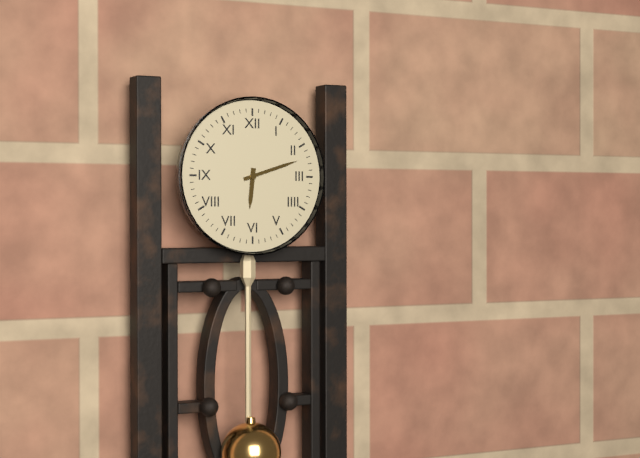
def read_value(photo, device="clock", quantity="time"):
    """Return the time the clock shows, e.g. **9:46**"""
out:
**6:12**
